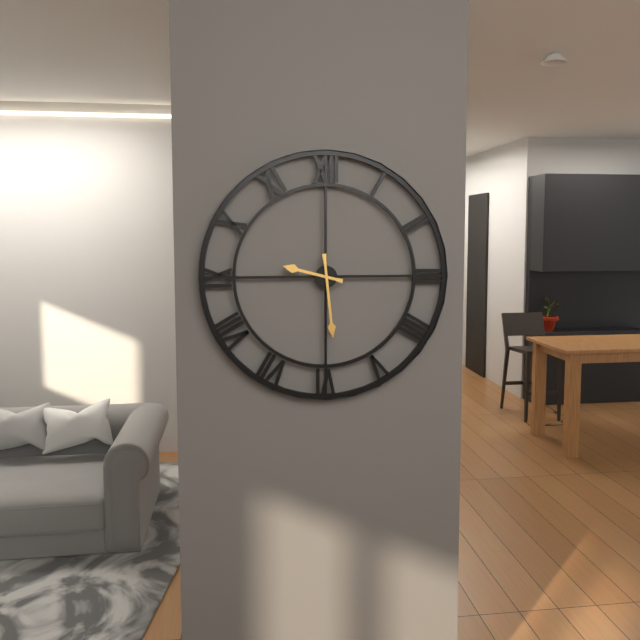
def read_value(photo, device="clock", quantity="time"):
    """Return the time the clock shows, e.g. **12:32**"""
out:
**9:29**
